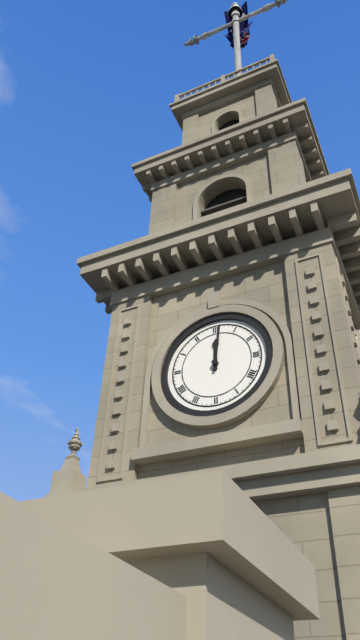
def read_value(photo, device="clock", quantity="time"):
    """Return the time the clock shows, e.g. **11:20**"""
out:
**12:01**
